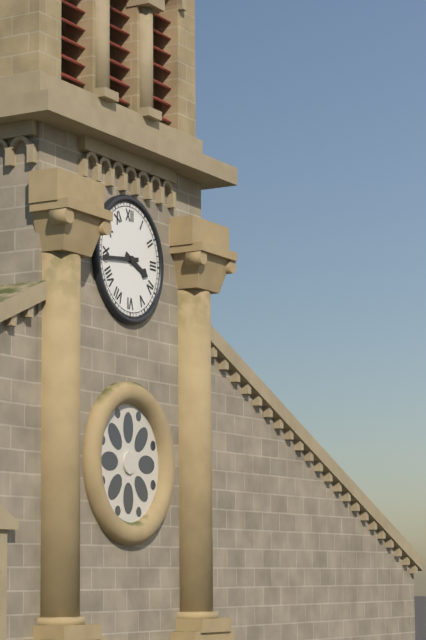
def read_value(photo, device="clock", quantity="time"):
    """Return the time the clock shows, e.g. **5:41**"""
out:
**3:44**
